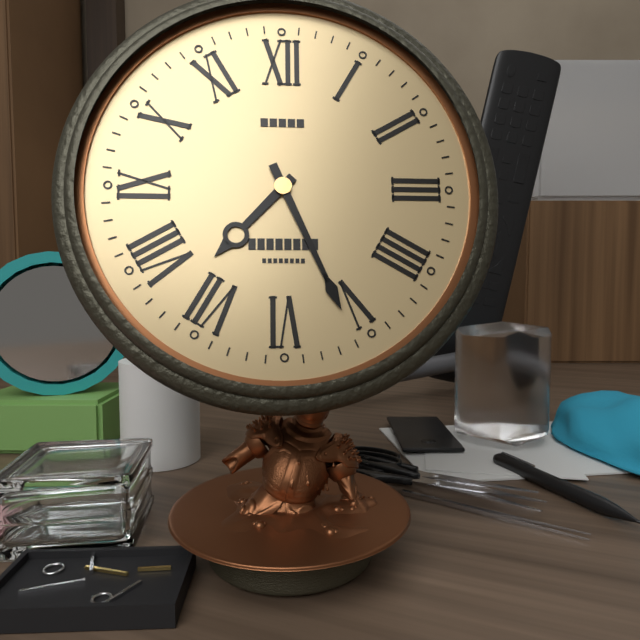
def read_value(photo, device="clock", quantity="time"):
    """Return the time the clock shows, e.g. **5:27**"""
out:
**7:26**
